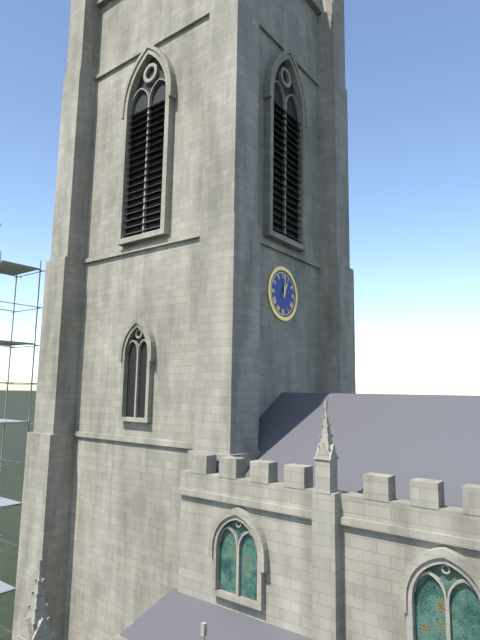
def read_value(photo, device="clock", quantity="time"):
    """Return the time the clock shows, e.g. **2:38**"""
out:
**1:01**
